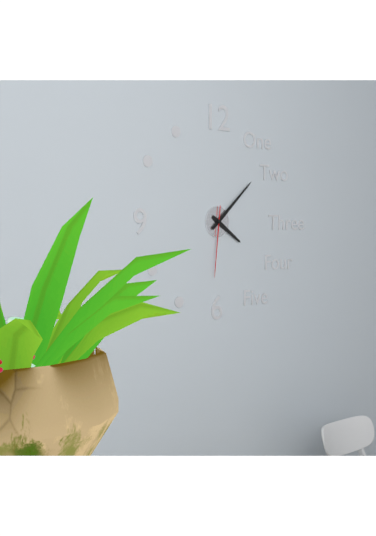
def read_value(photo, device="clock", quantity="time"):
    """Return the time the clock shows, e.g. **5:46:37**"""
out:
**4:08:31**
